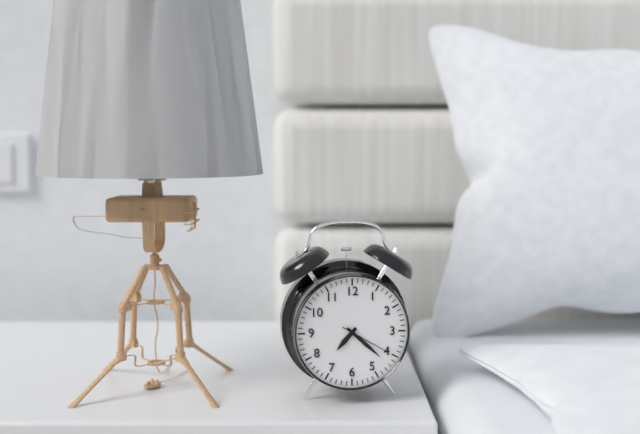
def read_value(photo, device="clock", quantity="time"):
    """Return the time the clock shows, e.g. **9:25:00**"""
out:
**7:22:20**
